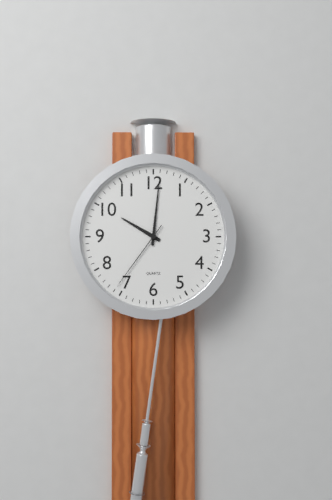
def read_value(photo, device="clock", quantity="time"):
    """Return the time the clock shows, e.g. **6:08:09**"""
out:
**10:01:36**
